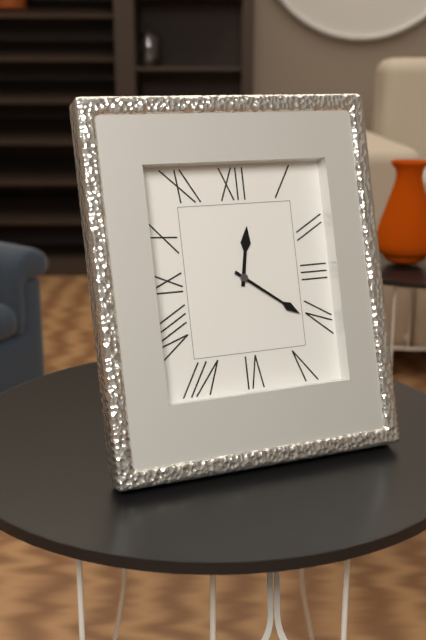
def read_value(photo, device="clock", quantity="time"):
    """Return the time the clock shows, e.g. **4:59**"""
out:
**12:21**
